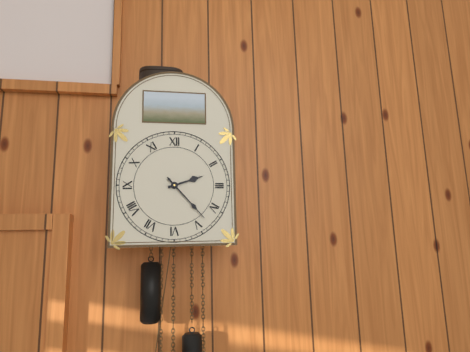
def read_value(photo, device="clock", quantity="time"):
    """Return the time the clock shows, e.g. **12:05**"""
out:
**2:23**
